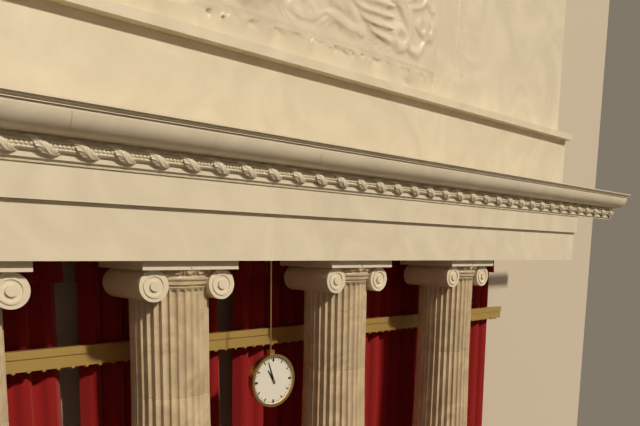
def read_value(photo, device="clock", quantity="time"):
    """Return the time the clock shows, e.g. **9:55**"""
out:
**10:57**
